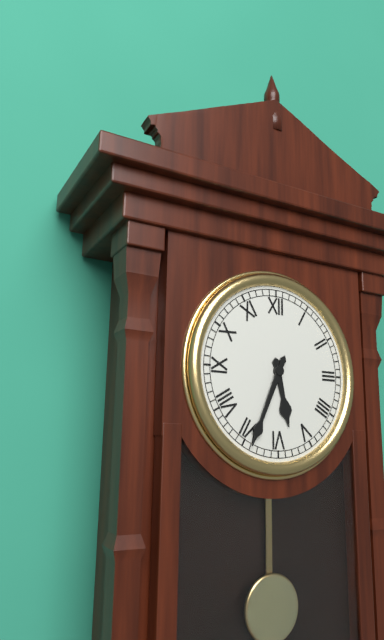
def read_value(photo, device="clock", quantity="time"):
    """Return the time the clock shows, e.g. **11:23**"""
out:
**5:34**
